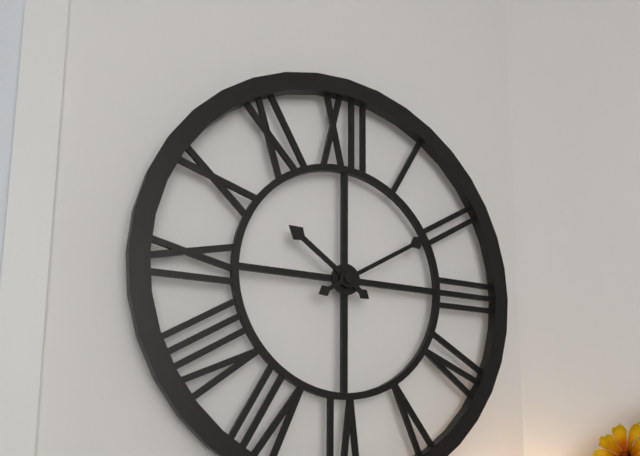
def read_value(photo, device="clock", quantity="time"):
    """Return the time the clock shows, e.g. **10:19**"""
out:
**10:10**
